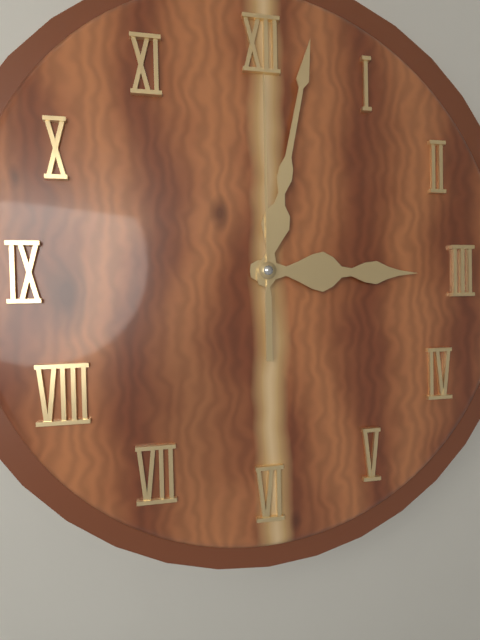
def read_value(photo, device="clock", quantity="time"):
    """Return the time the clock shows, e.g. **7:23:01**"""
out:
**3:02:00**
